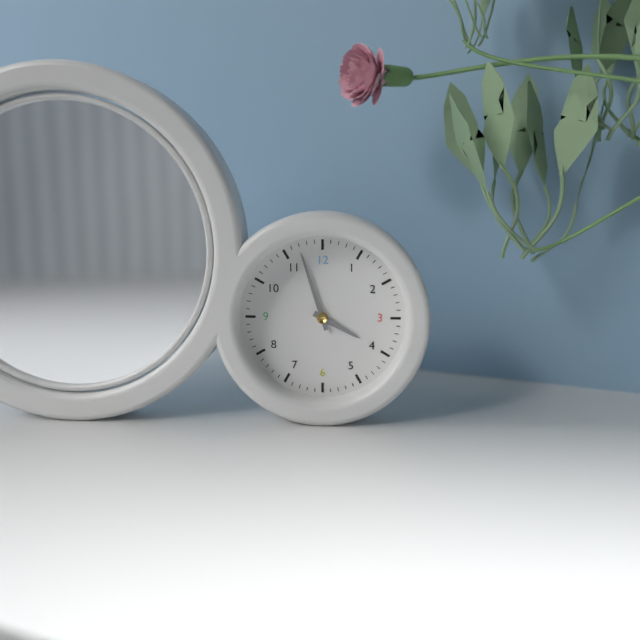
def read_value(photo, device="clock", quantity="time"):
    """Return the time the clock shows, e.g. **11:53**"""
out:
**3:57**
